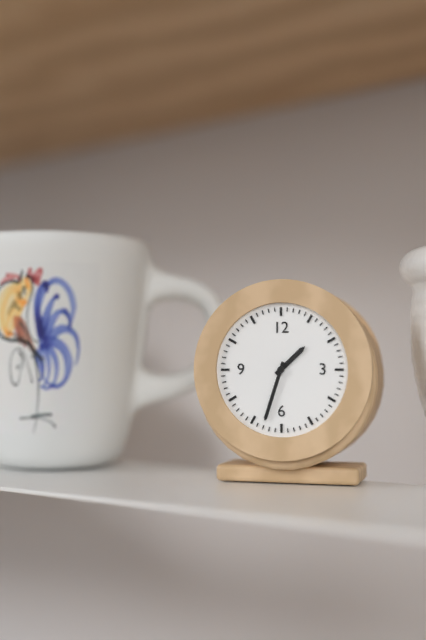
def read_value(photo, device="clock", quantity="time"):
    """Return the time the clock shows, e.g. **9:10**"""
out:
**1:33**
